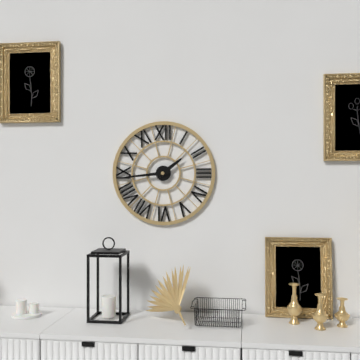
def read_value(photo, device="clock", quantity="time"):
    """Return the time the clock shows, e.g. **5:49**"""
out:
**1:44**
